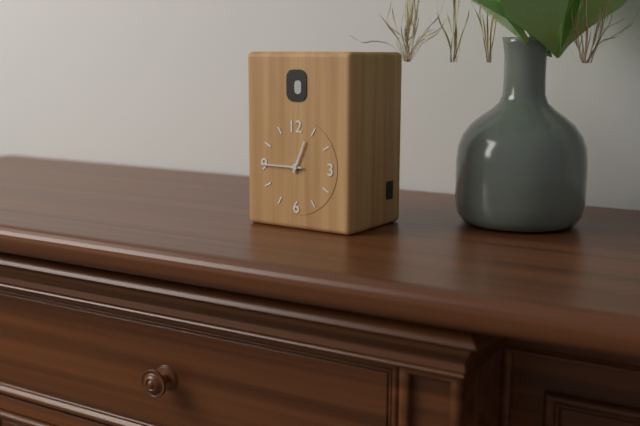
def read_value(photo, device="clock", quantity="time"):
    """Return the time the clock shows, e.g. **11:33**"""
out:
**12:45**
